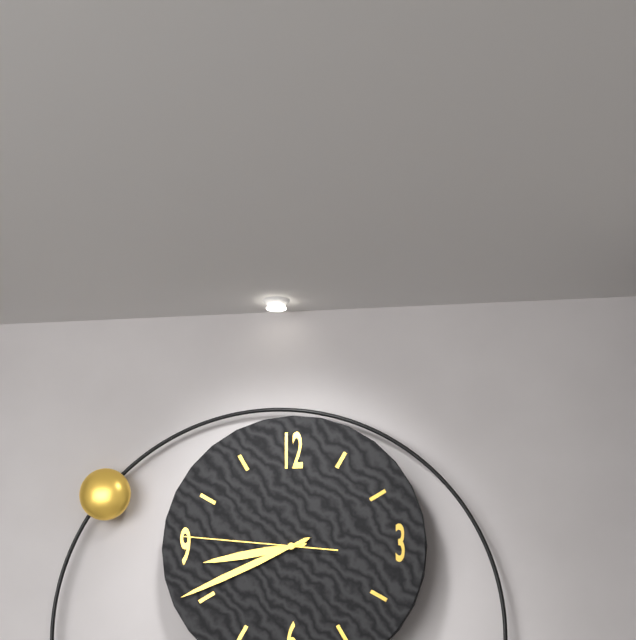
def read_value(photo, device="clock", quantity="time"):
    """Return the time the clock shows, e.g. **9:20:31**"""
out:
**8:41:46**
